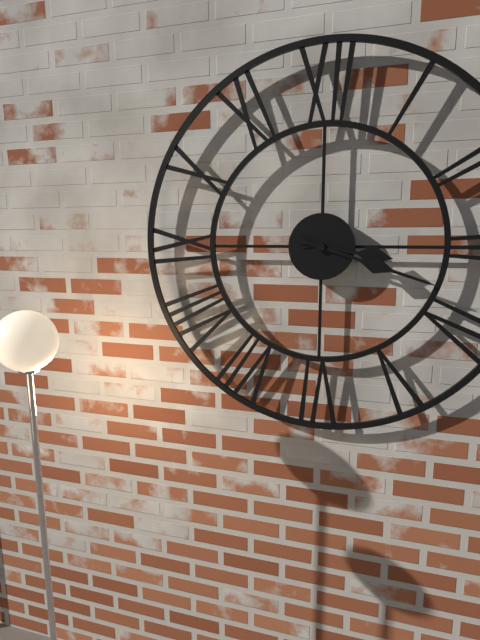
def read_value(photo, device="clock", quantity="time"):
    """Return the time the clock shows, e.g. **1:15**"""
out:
**3:18**
